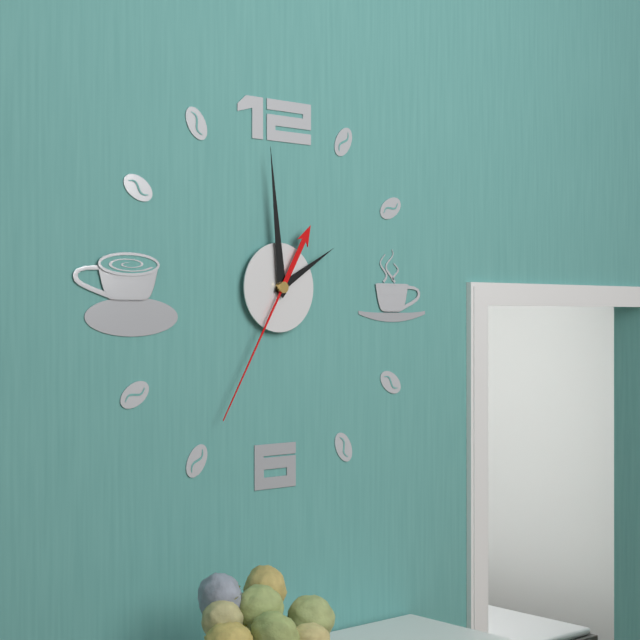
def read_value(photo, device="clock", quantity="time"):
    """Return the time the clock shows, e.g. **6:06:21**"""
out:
**1:59:35**
